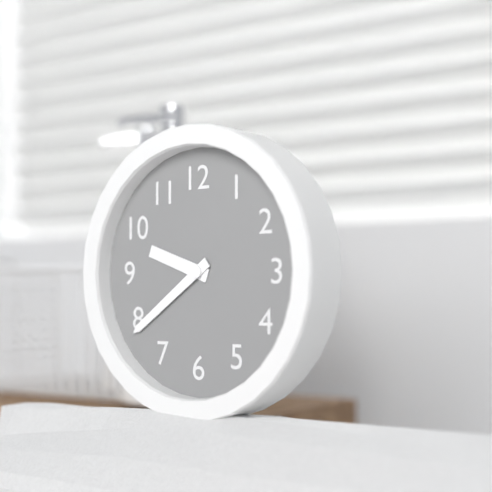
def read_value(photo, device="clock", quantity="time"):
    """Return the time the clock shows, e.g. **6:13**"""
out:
**9:39**
